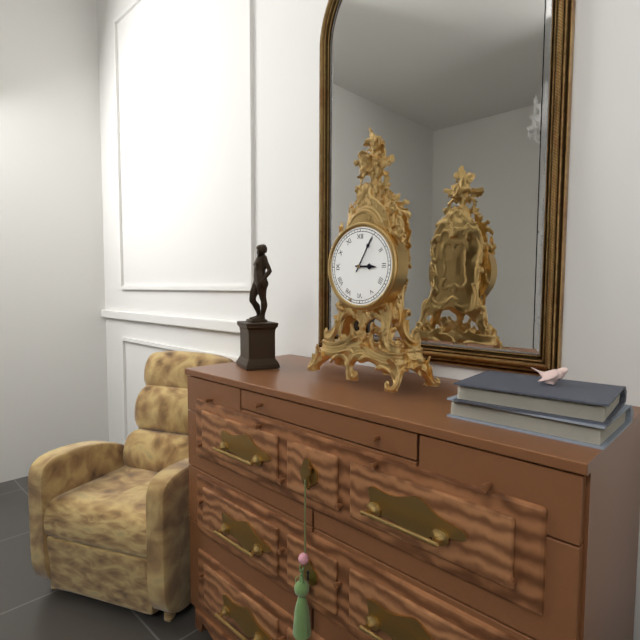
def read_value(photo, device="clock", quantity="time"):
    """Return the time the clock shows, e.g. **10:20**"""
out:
**3:05**
